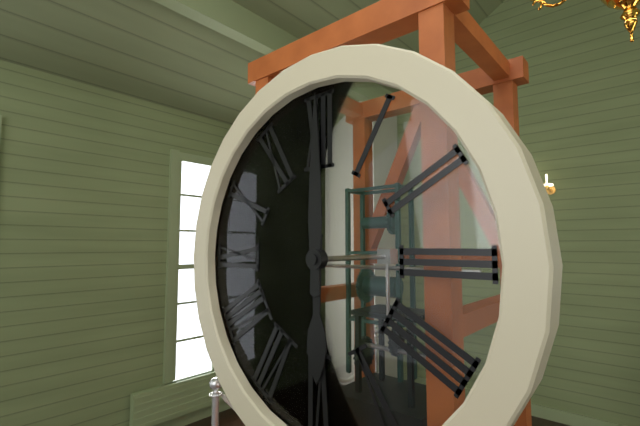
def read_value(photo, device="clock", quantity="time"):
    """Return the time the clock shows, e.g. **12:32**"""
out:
**6:00**
